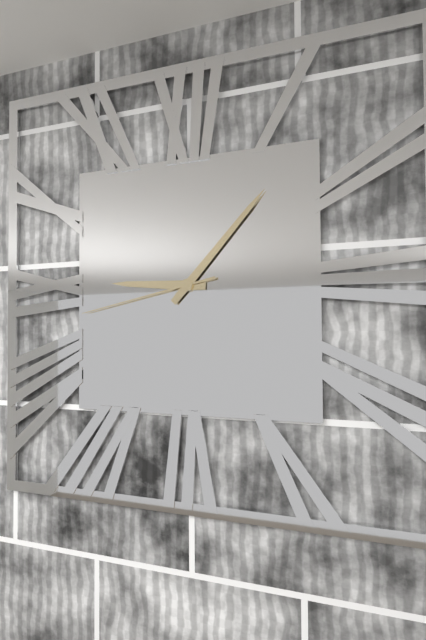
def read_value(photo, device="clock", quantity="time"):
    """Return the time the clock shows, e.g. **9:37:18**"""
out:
**9:07:43**
